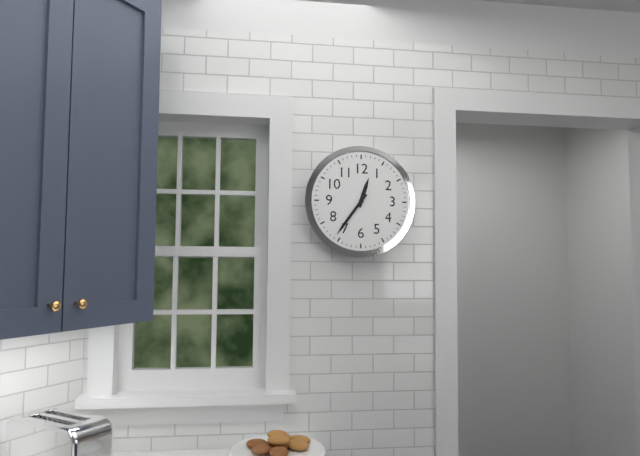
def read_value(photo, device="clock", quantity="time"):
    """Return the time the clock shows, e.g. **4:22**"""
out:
**12:36**
